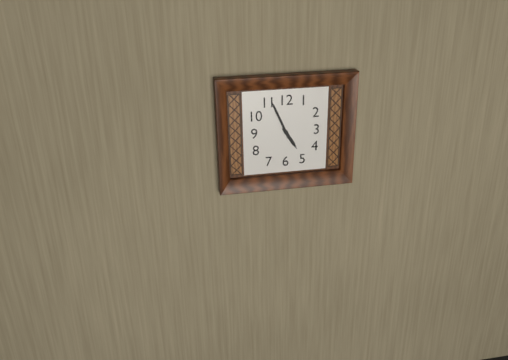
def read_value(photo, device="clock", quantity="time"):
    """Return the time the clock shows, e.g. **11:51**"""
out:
**4:56**
